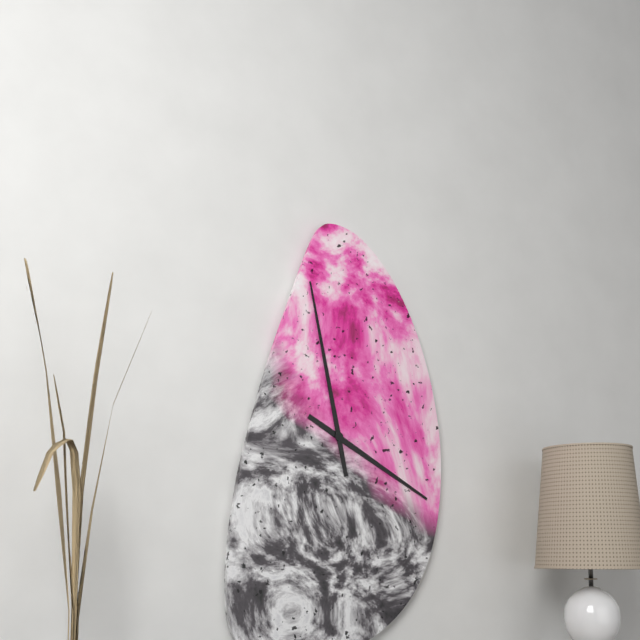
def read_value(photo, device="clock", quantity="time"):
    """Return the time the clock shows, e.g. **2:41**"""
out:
**3:58**
